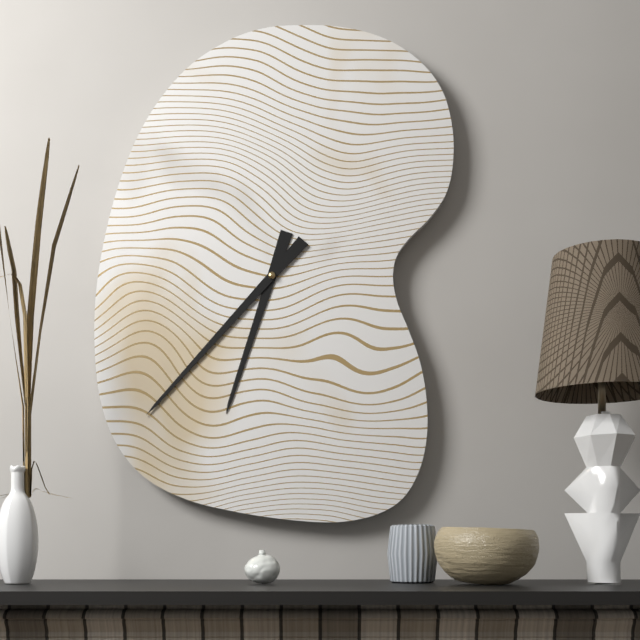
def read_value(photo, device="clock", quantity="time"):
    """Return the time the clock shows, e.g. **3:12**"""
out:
**6:37**
